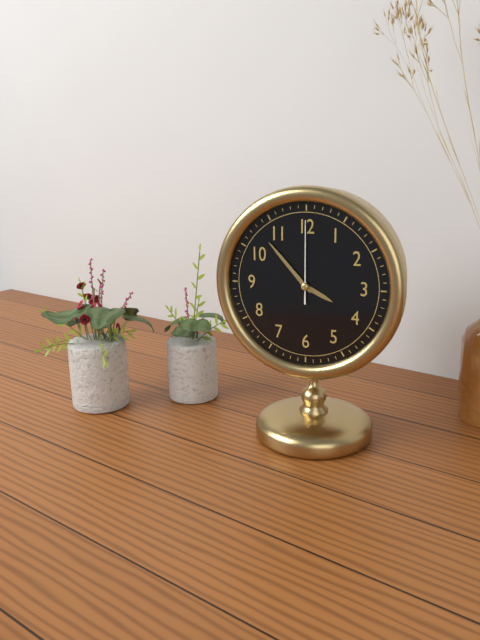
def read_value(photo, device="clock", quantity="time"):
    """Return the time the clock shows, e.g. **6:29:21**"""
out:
**3:53:00**
